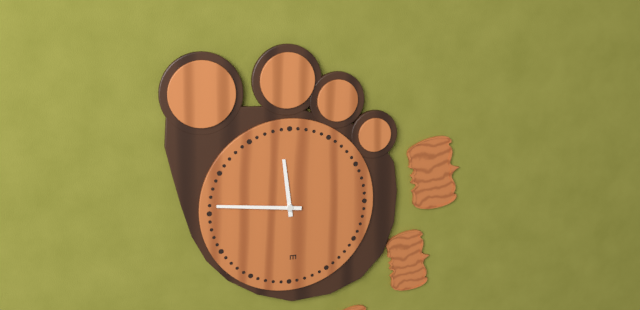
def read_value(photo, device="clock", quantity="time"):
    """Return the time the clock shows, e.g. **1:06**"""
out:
**11:46**
